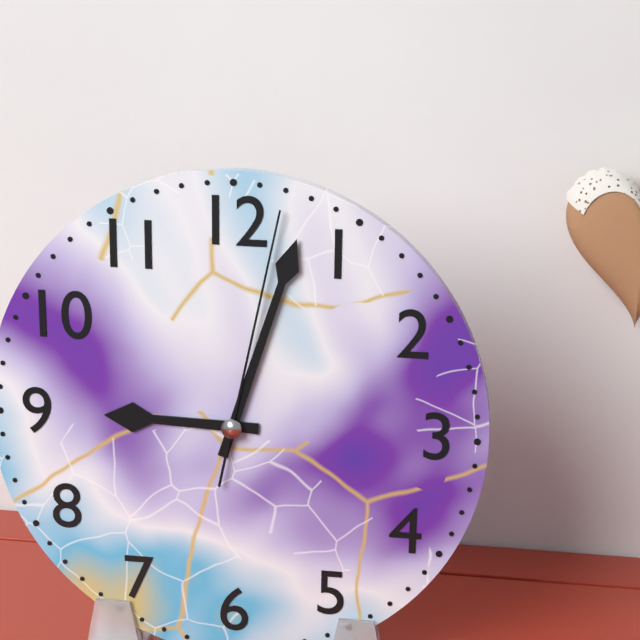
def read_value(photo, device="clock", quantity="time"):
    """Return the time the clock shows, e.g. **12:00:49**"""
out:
**9:03:02**
